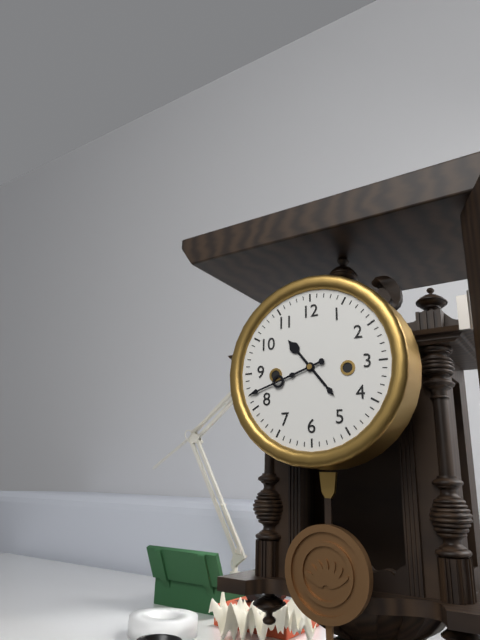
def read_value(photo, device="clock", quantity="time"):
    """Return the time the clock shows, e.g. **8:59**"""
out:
**10:42**
